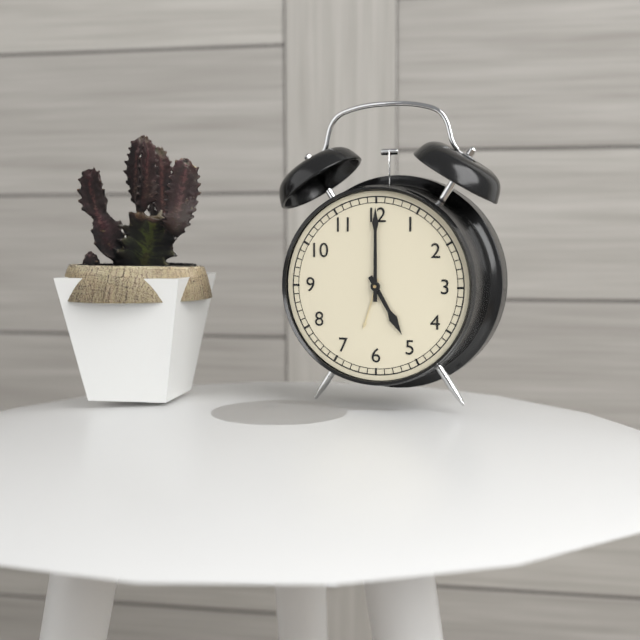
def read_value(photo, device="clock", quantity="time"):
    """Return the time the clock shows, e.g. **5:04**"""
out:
**5:00**
